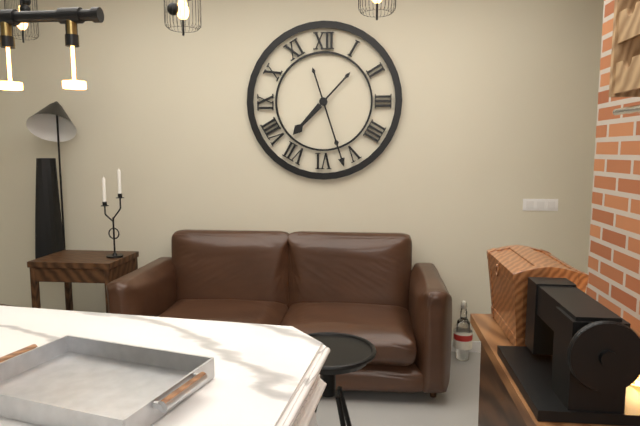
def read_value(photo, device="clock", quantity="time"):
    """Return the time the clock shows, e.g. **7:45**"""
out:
**7:27**
